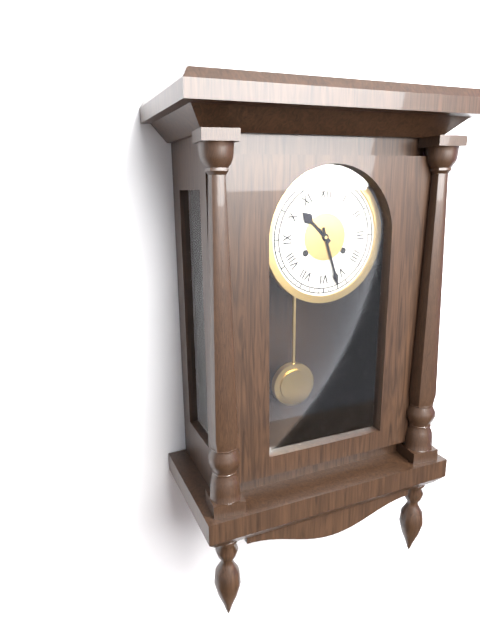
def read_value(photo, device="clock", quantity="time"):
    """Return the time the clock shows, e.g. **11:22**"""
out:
**10:27**
